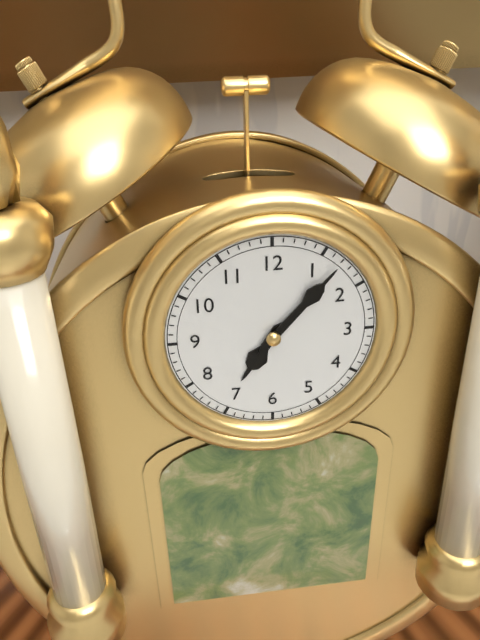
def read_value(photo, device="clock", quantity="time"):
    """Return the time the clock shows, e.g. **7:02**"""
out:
**7:07**
